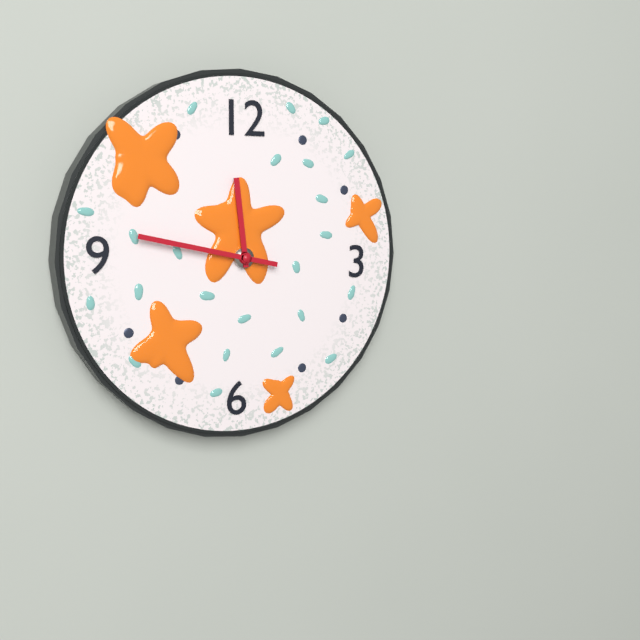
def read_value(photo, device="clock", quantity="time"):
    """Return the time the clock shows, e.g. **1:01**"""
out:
**11:47**
